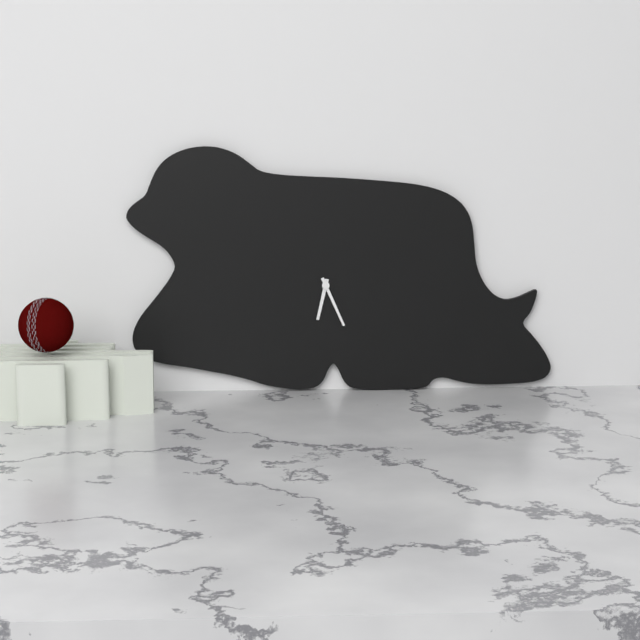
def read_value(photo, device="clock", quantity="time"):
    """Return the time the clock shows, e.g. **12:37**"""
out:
**6:26**
